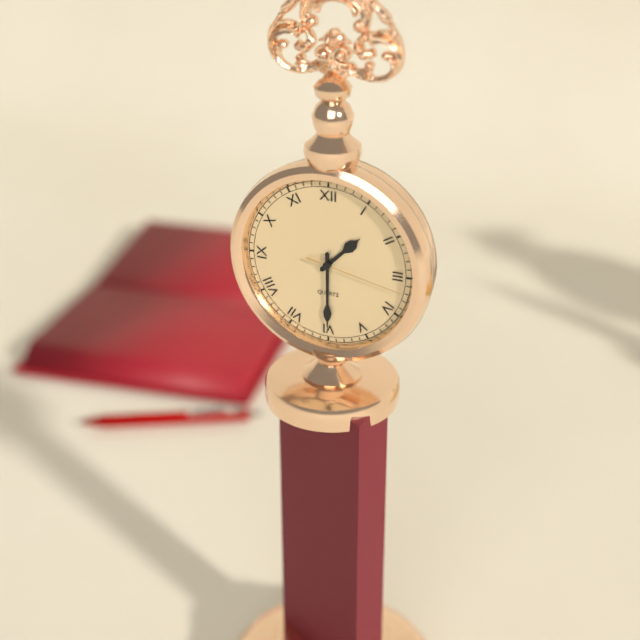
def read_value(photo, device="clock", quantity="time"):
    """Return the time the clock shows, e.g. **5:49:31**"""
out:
**1:30:17**
